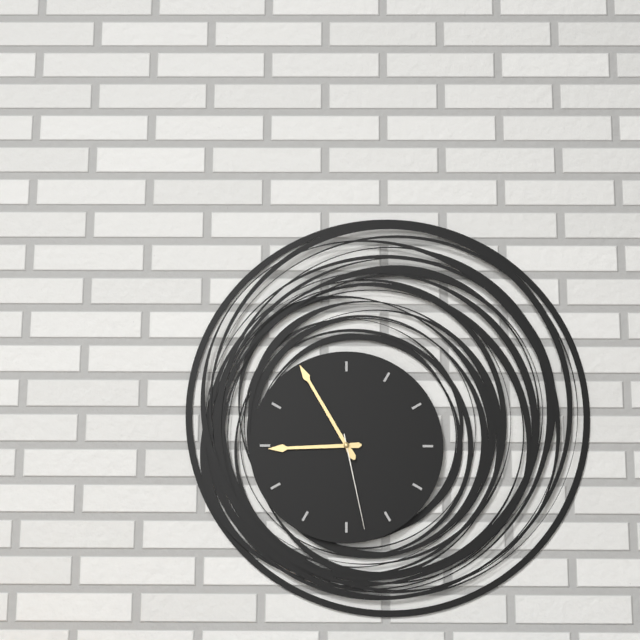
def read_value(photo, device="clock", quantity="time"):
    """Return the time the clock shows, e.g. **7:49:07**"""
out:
**8:55:28**
